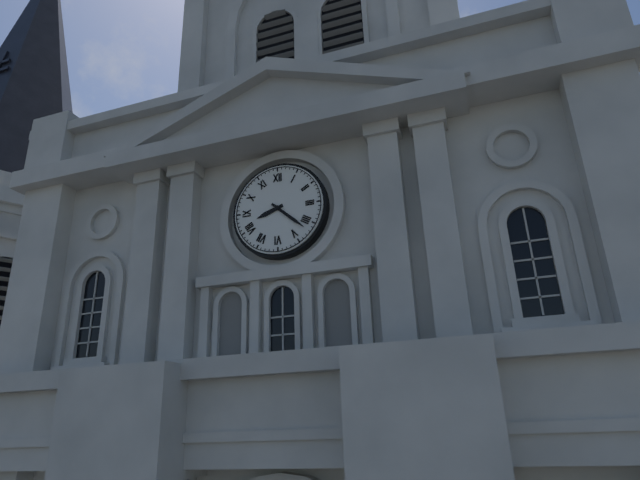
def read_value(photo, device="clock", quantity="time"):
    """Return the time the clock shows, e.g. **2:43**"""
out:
**8:22**
